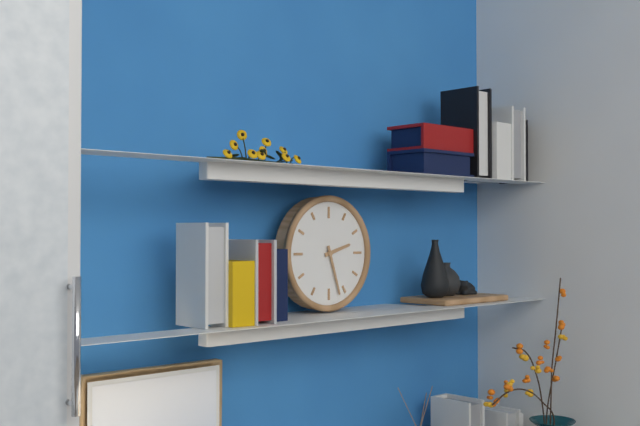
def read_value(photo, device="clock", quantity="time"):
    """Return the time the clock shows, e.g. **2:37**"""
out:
**2:27**
